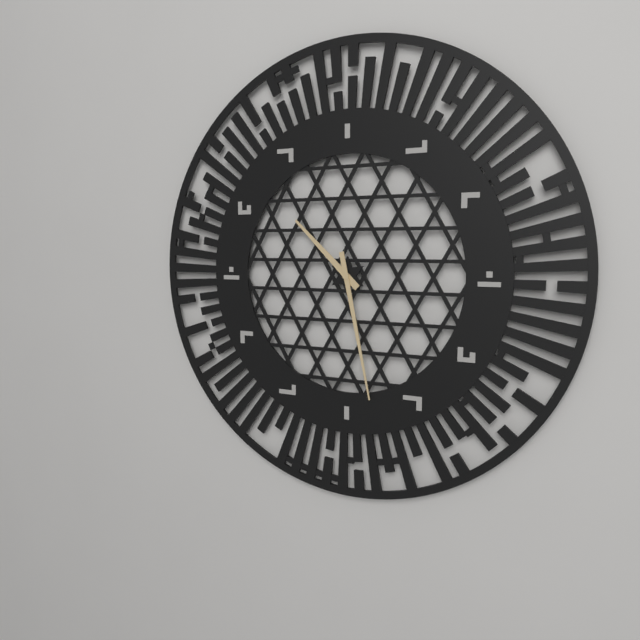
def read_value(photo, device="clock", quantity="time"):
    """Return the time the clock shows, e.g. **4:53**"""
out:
**10:28**
